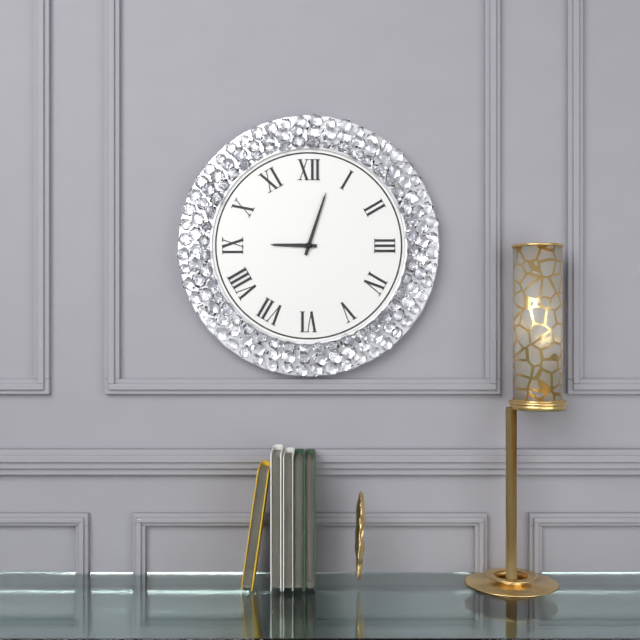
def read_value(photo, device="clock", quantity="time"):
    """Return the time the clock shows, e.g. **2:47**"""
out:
**9:03**
